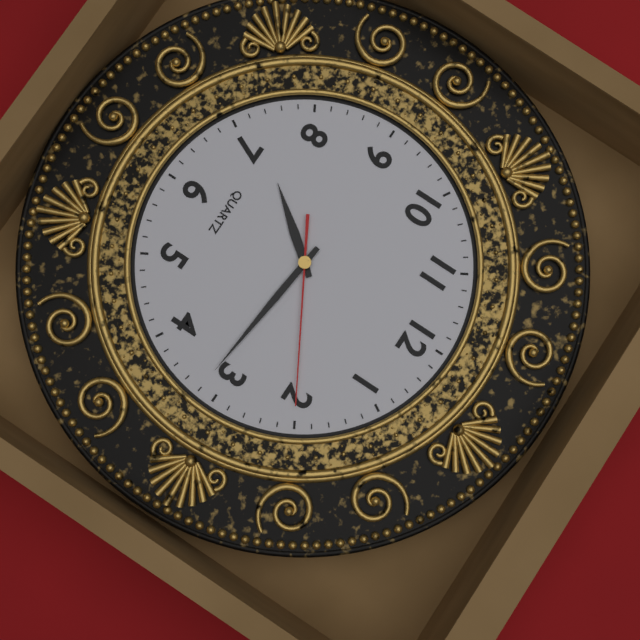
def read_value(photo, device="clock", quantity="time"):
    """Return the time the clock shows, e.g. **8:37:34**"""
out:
**7:16:10**
